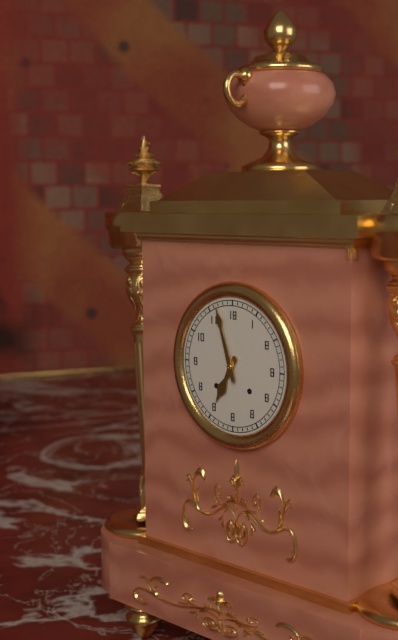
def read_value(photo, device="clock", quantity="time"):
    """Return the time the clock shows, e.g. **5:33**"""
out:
**6:57**
